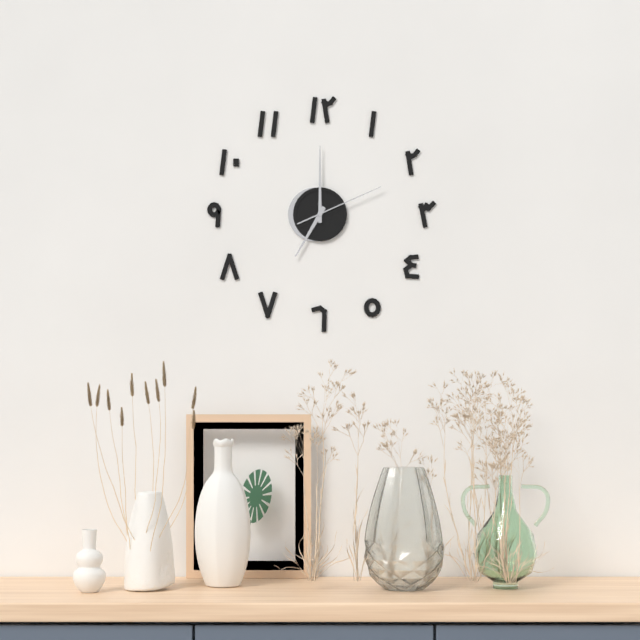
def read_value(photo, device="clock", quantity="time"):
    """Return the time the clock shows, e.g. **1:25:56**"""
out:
**7:00:11**
